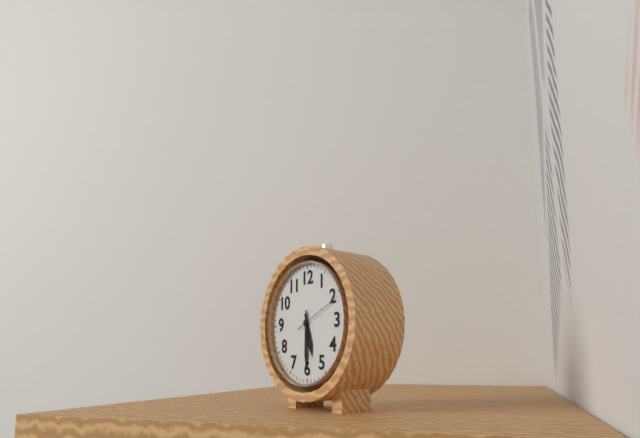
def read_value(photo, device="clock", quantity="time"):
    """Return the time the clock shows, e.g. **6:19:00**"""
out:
**5:30:11**
